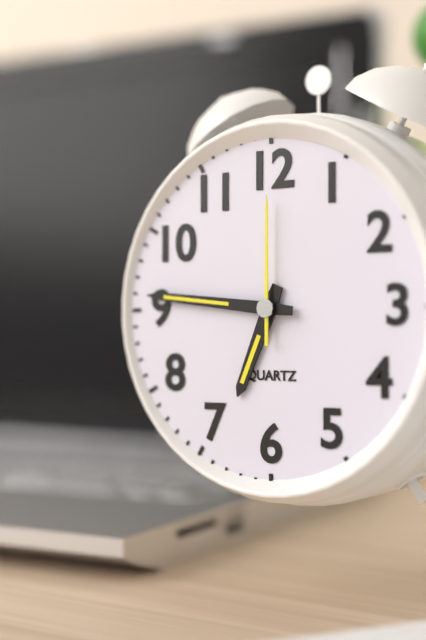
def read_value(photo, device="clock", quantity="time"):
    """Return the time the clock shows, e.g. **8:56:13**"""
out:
**6:46:00**
